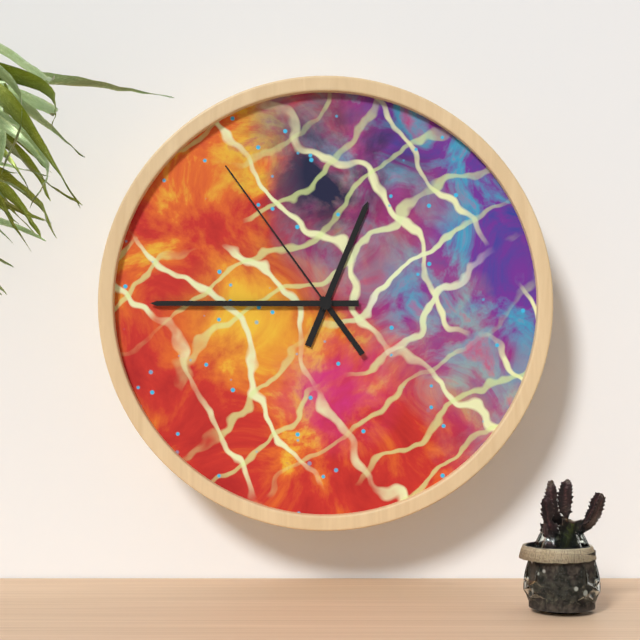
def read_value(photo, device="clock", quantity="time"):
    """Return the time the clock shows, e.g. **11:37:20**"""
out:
**12:45:54**
